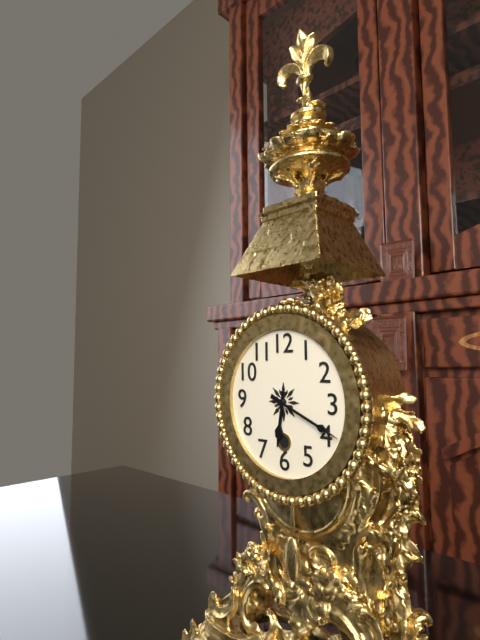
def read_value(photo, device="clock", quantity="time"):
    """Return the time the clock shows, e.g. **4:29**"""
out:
**6:19**
